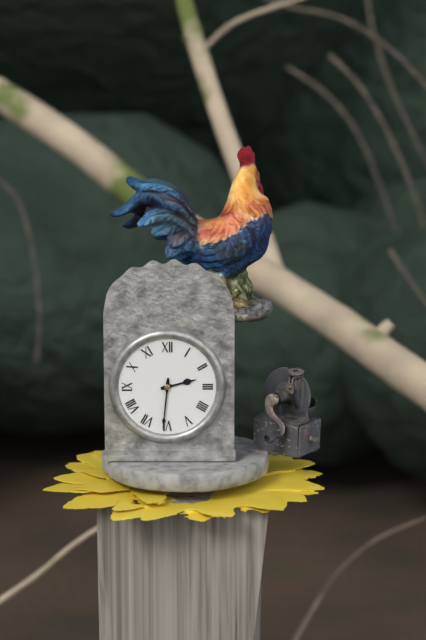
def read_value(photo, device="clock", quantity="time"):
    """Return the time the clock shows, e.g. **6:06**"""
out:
**2:31**
